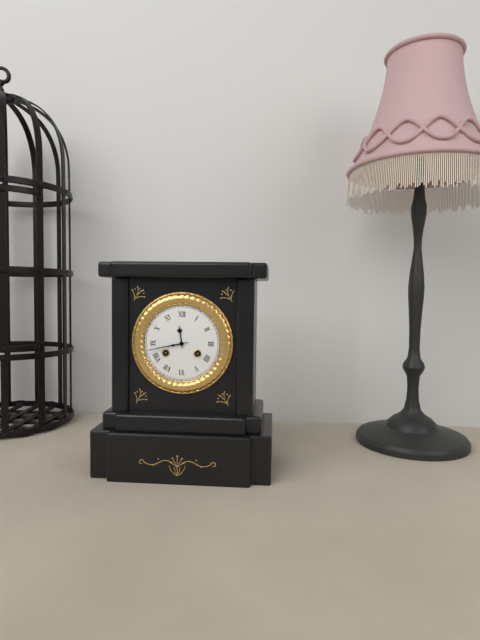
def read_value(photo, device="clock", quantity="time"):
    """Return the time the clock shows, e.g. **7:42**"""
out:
**11:43**
